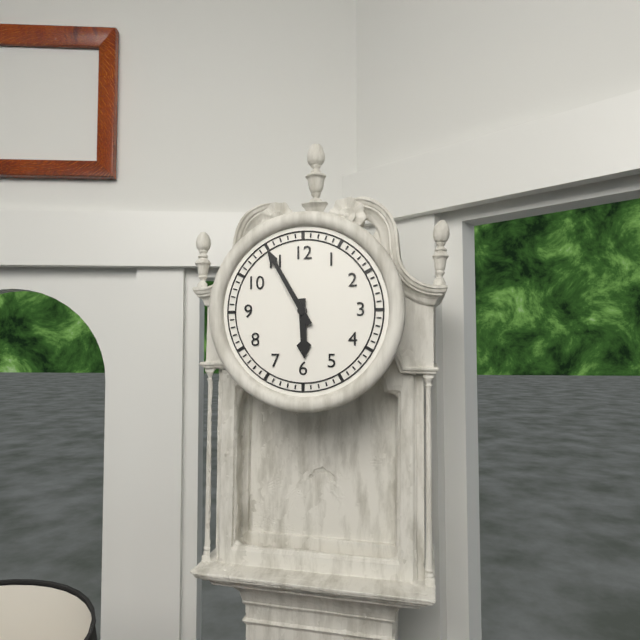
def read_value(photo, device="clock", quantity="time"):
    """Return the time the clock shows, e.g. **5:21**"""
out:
**5:55**
